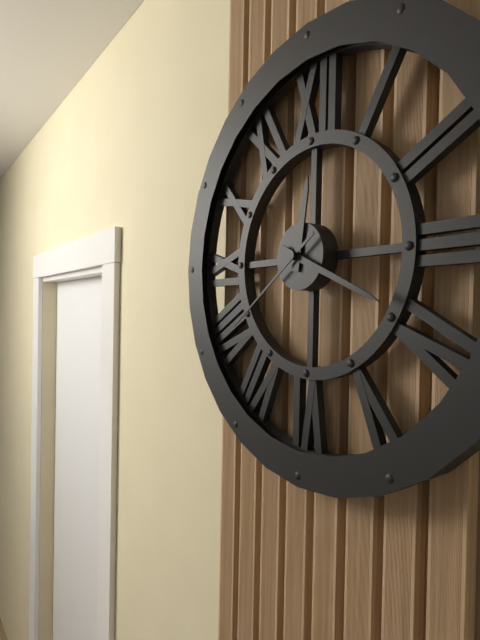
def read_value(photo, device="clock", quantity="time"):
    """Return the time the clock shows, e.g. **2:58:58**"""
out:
**12:19:39**
